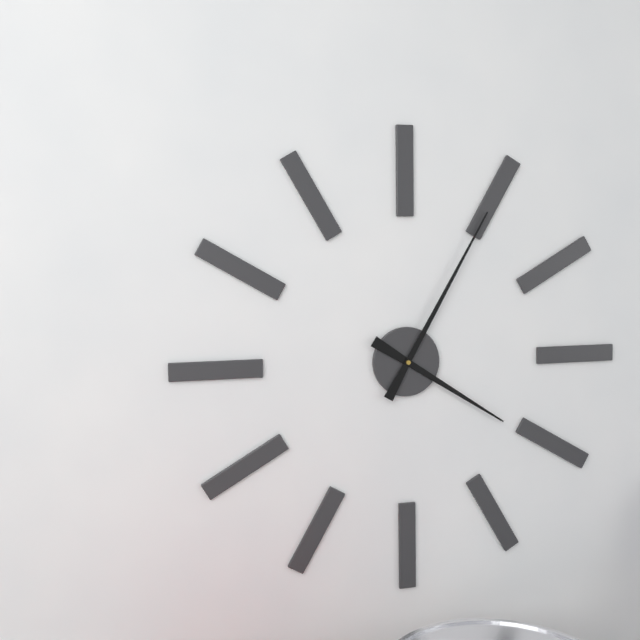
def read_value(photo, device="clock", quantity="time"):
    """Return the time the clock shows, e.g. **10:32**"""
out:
**4:05**
